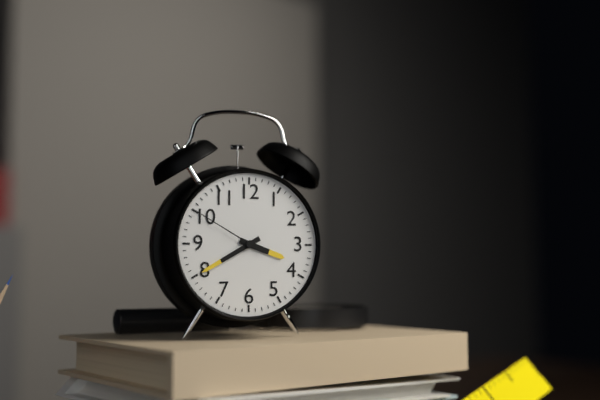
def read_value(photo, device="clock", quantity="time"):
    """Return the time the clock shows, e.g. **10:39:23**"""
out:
**3:40:50**
